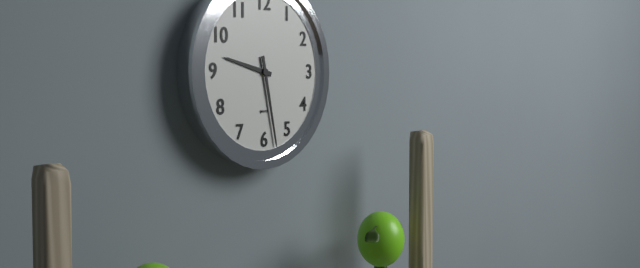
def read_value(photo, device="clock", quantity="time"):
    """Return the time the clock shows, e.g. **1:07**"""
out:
**9:28**
